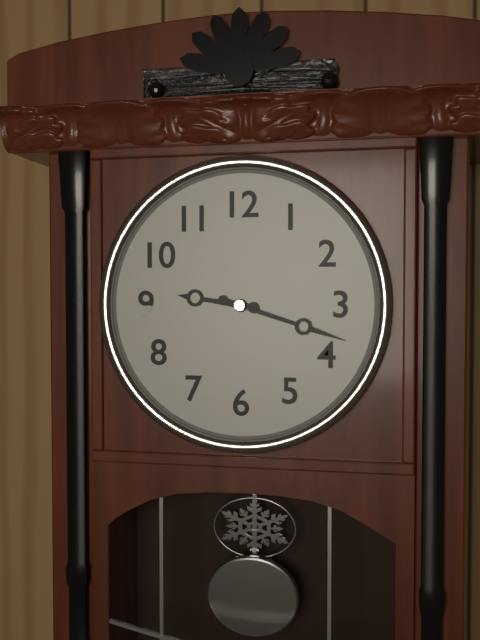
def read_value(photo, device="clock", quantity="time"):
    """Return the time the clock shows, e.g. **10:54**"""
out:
**9:18**
